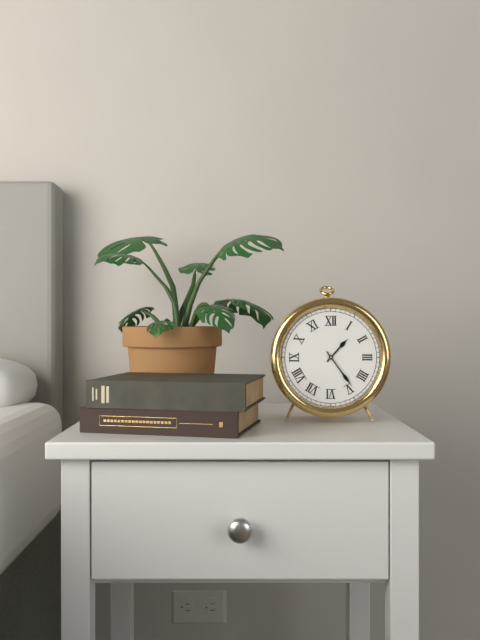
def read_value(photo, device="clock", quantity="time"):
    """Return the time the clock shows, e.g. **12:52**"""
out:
**1:24**
